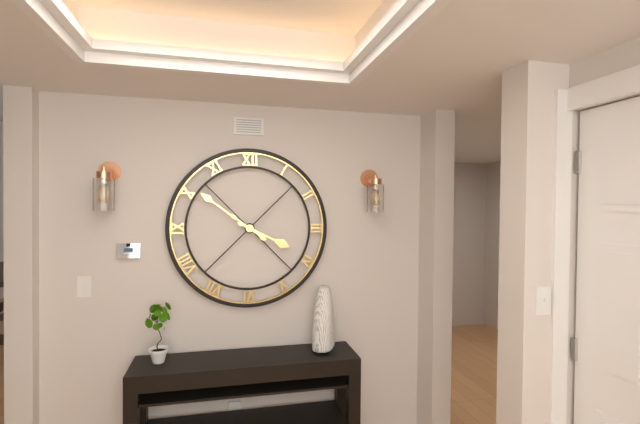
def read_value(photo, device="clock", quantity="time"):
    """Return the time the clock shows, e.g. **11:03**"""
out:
**3:51**
